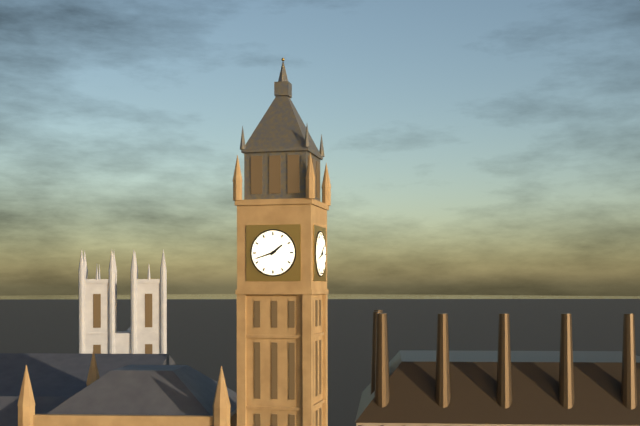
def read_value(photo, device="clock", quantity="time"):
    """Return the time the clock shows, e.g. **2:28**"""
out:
**1:42**
